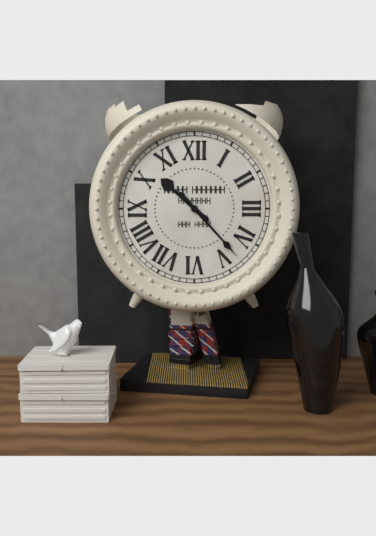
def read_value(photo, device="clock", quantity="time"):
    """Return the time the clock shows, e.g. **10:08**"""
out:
**10:23**
